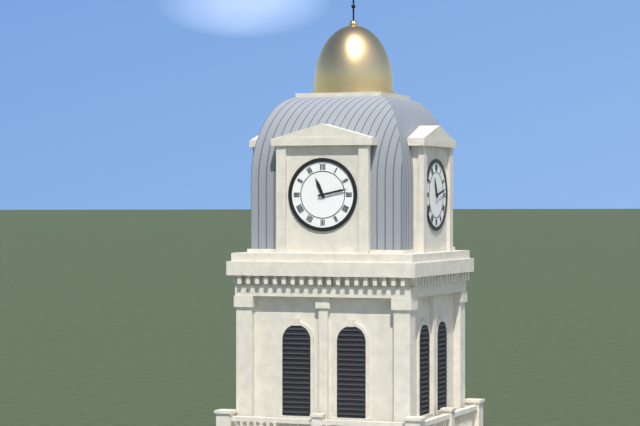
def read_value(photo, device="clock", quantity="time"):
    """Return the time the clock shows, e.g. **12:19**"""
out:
**11:13**
